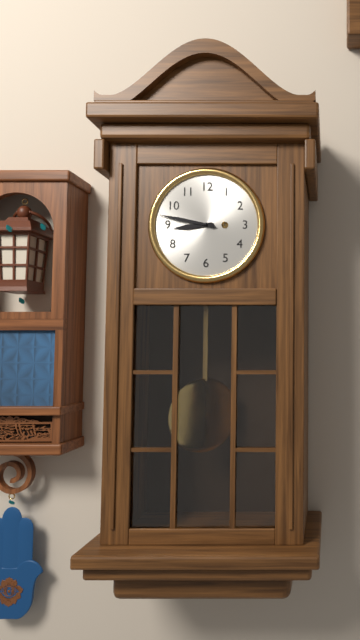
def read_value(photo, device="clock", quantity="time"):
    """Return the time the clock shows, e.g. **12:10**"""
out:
**8:47**
